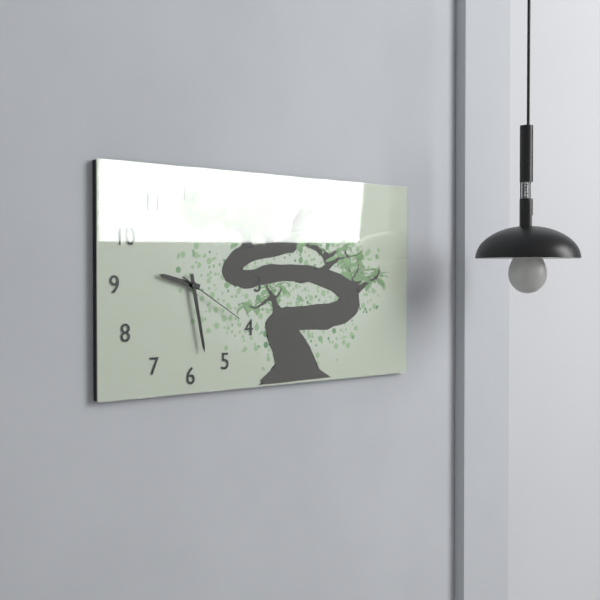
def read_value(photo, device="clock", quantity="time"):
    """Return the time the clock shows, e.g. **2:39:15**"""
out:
**9:28:20**
